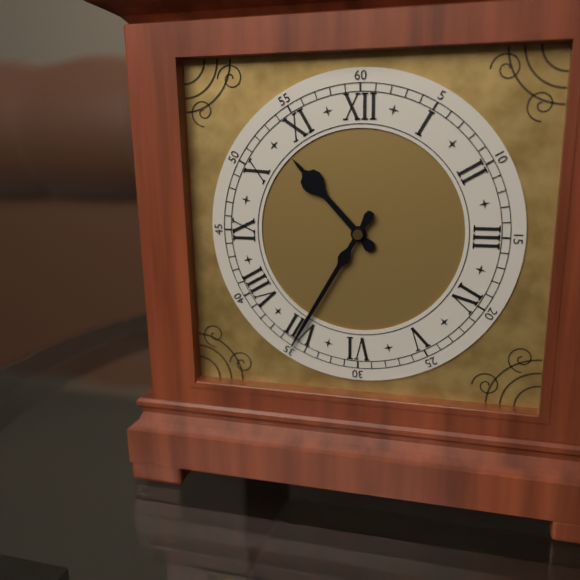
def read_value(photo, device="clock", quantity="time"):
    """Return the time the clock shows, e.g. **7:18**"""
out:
**10:35**
